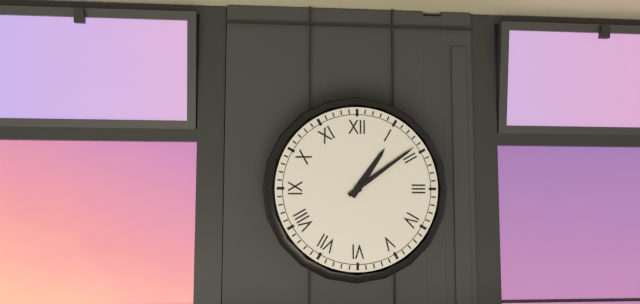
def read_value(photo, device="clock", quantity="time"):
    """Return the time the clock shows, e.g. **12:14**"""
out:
**1:09**
